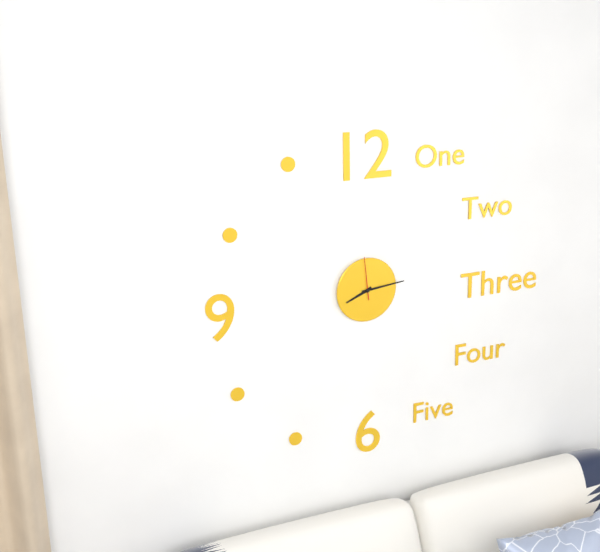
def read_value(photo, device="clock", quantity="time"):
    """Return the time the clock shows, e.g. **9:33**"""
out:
**8:14**
